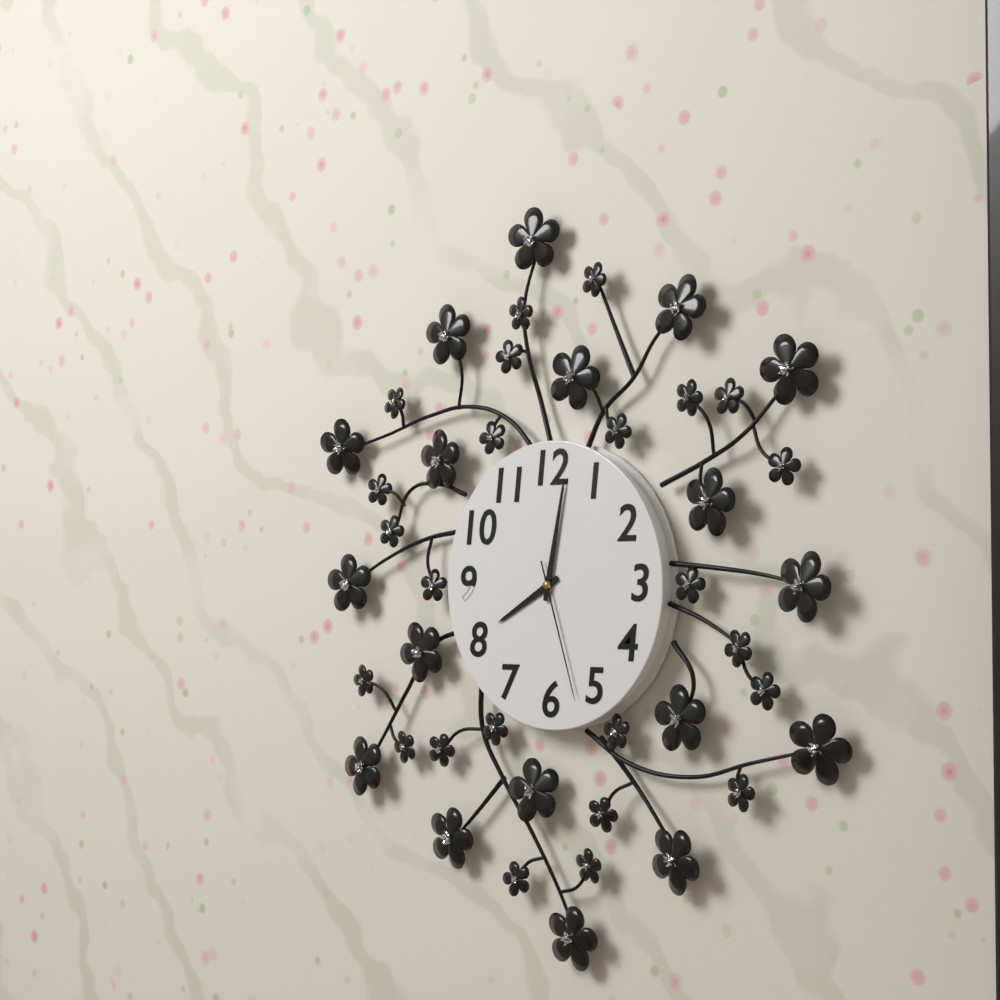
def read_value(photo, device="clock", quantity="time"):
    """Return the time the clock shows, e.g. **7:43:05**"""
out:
**8:02:27**
